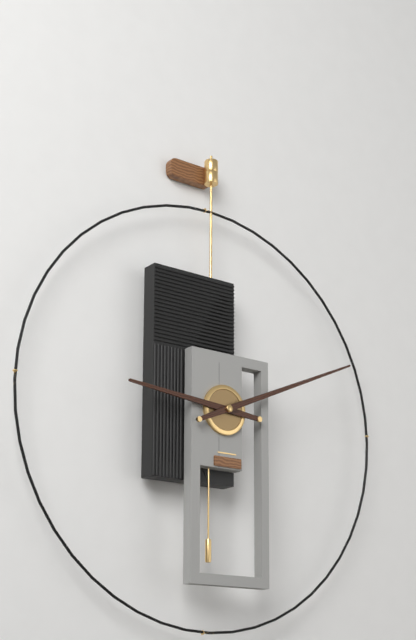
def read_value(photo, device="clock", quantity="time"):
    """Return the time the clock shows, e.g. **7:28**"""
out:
**9:11**
